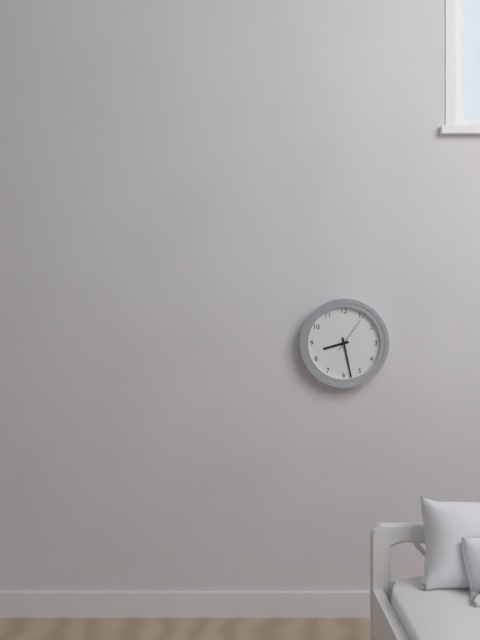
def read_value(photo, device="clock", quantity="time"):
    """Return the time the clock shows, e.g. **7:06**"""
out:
**8:28**
